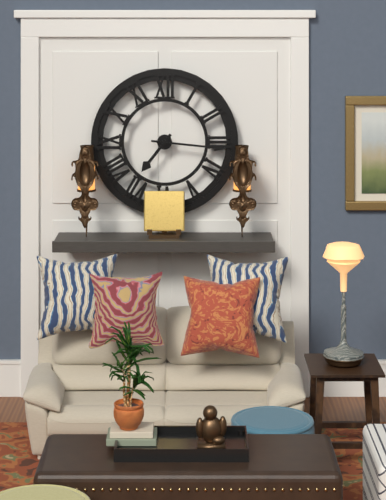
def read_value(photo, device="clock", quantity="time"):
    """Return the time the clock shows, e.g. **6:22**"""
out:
**7:16**
